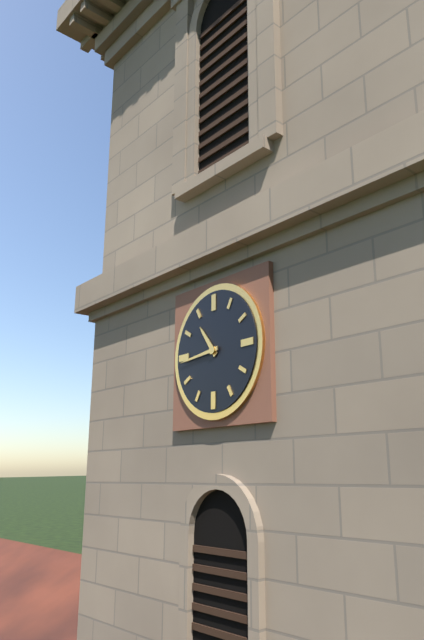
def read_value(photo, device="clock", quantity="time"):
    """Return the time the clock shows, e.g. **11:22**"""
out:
**10:44**
